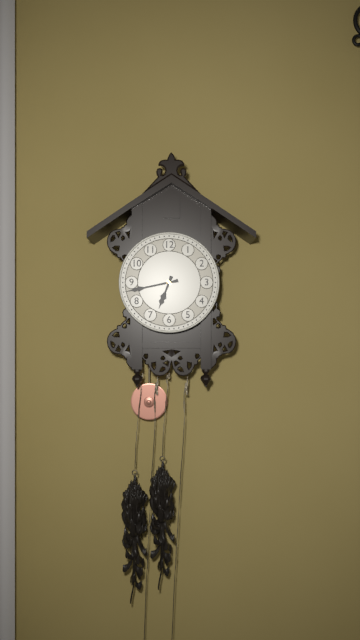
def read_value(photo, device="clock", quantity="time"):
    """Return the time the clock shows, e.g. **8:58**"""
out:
**6:43**
